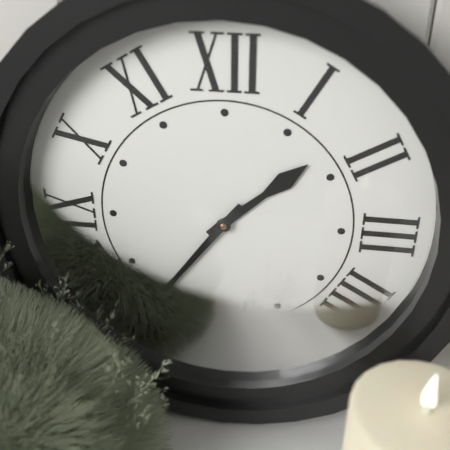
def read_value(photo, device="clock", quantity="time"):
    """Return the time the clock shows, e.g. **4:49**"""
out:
**1:36**
